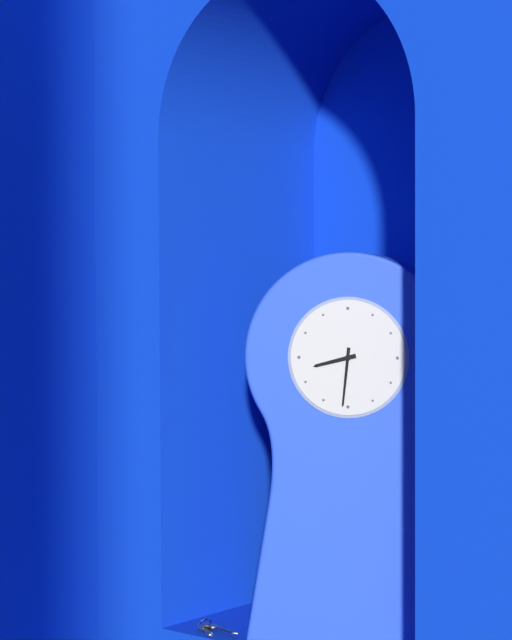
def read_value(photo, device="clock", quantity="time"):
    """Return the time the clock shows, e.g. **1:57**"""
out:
**8:31**
